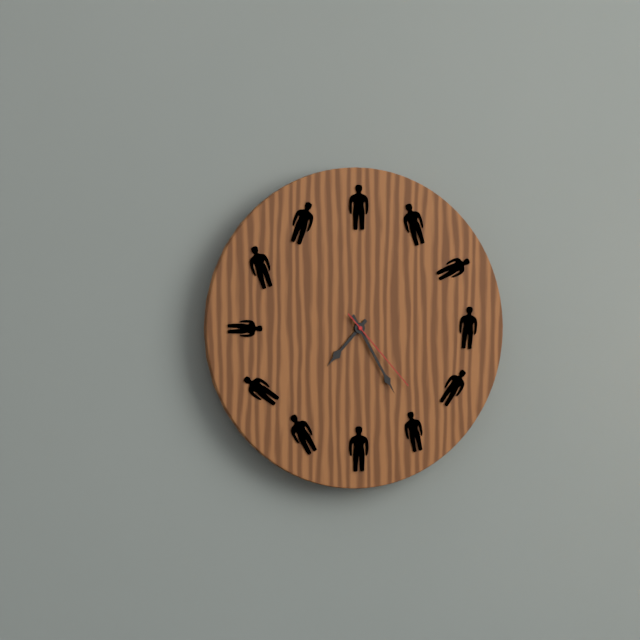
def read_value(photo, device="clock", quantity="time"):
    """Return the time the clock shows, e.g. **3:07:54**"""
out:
**7:25:23**
